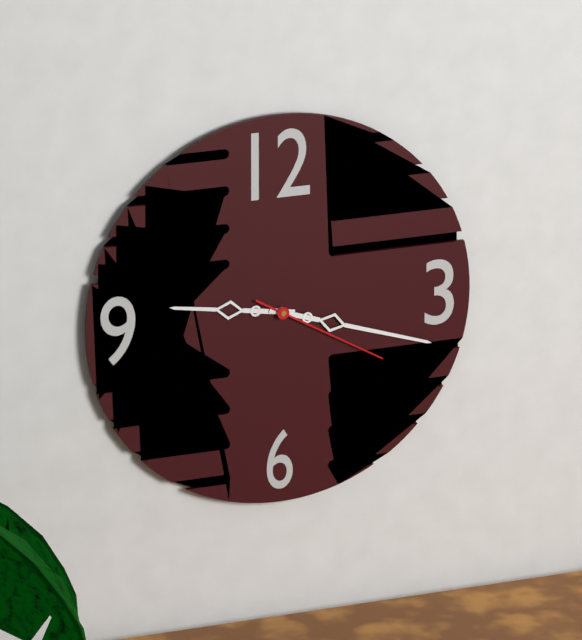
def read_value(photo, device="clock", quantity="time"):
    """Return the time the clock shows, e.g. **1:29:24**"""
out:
**9:18:20**
